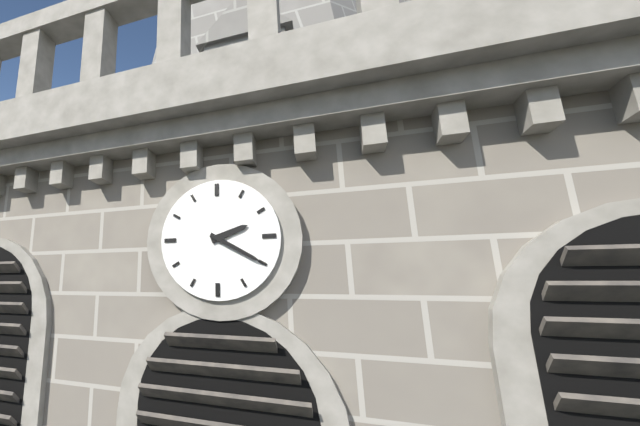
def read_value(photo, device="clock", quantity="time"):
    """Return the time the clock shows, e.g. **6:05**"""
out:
**2:20**
